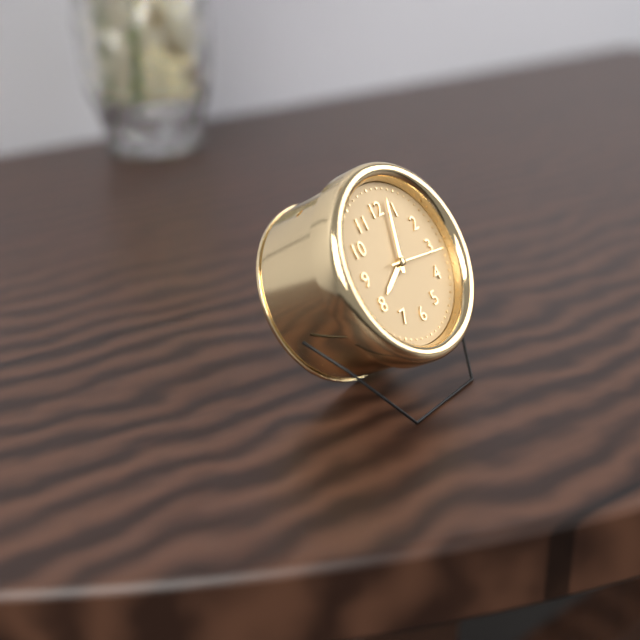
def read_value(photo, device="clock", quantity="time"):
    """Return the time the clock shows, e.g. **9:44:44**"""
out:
**8:03:16**
